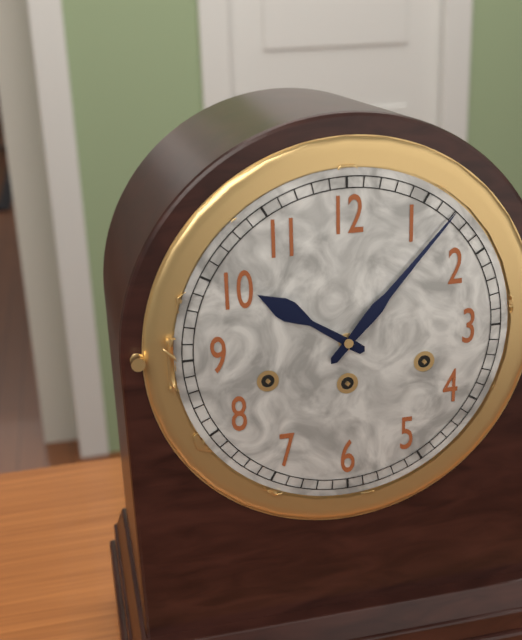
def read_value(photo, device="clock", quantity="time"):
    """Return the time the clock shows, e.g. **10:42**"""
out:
**10:07**
